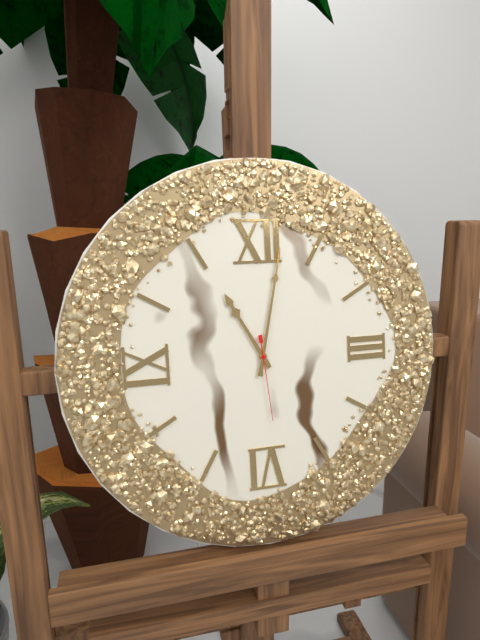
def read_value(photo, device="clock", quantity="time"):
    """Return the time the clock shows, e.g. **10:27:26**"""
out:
**11:02:29**
